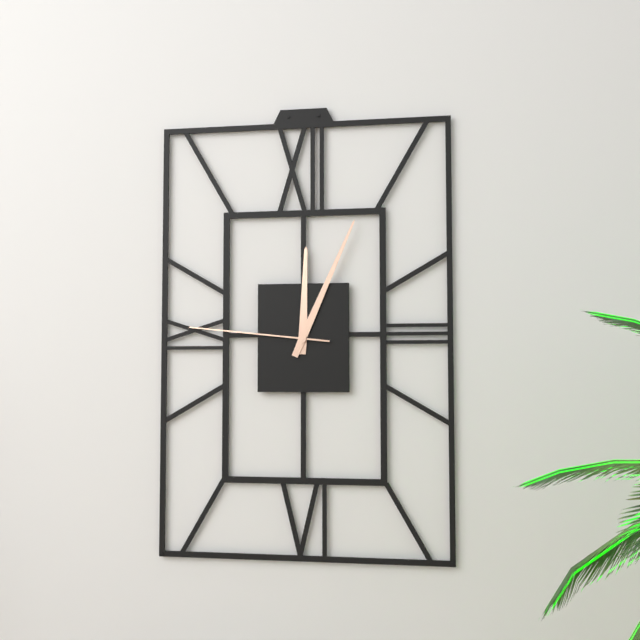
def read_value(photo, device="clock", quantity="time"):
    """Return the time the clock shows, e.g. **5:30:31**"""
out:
**12:04:46**
